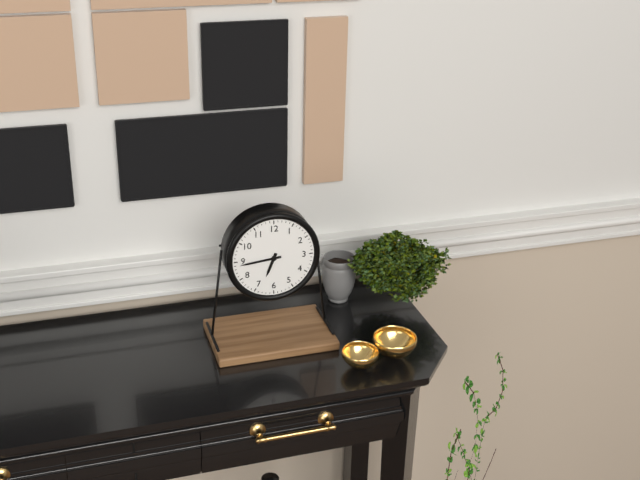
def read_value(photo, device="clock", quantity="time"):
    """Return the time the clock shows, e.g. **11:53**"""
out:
**6:44**
